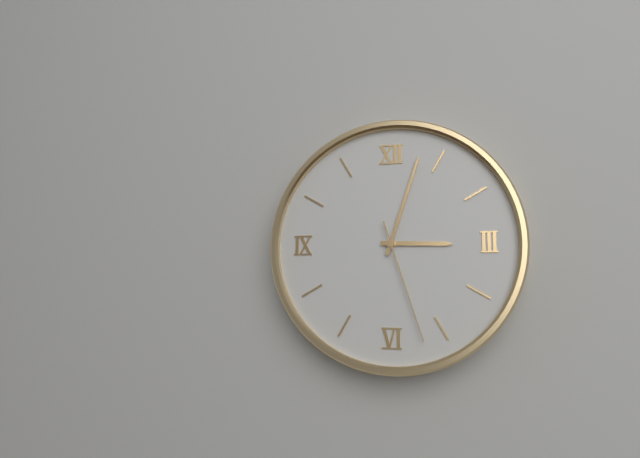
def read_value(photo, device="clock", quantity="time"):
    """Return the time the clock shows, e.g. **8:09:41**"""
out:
**3:03:27**
